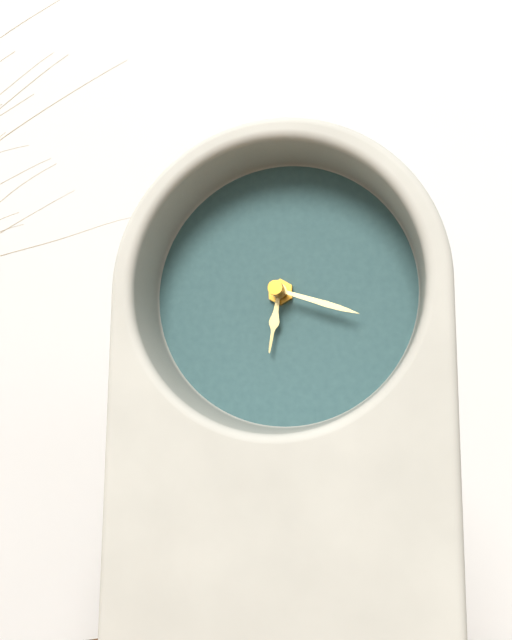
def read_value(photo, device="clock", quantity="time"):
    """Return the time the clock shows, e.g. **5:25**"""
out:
**6:18**
